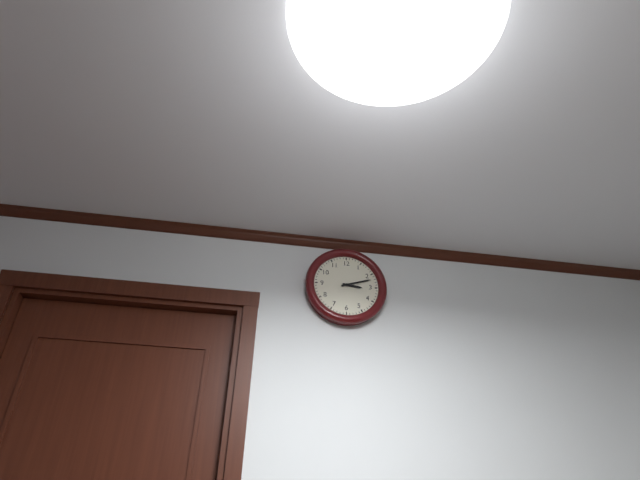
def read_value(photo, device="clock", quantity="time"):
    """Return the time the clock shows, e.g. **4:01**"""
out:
**3:12**
